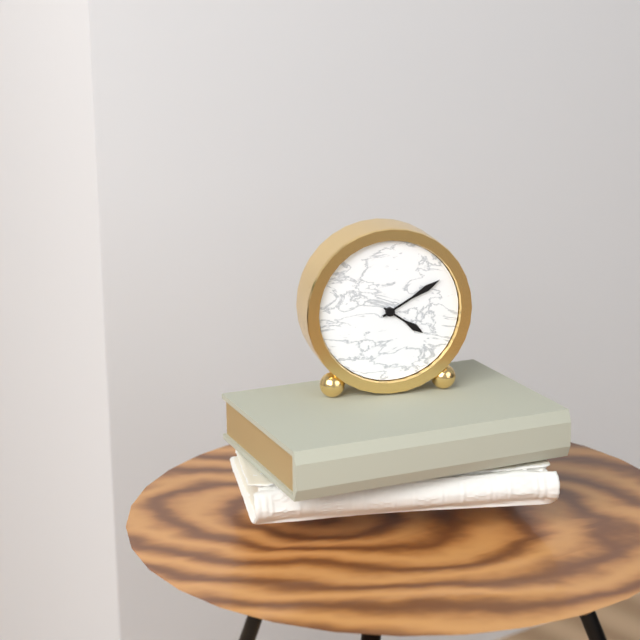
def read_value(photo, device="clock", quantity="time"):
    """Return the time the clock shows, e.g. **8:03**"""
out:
**4:10**
